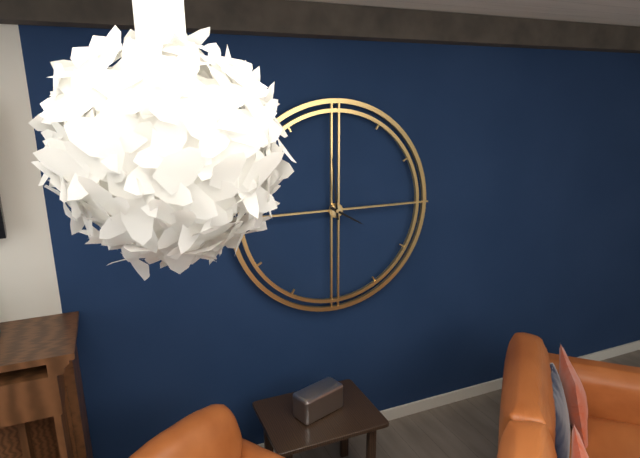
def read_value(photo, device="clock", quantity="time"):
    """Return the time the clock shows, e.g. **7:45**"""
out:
**3:59**
